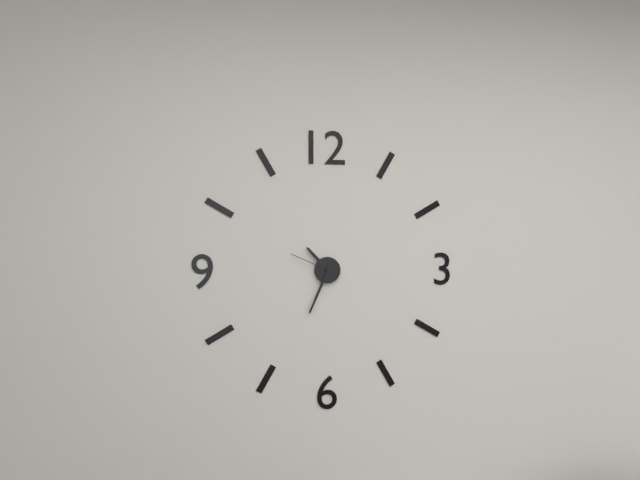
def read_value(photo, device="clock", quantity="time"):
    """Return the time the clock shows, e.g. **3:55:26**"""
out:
**10:34:49**
